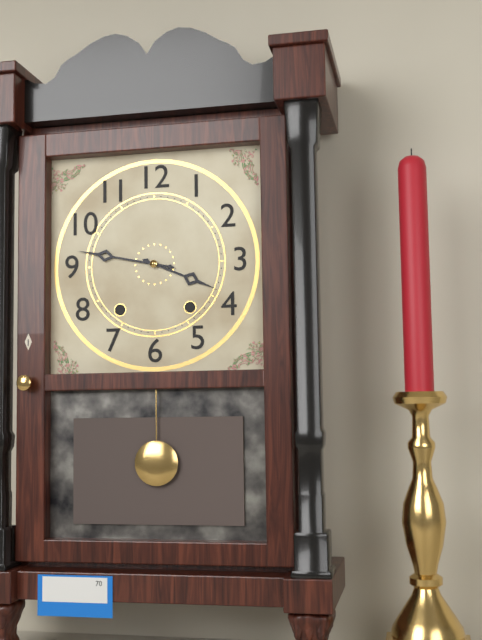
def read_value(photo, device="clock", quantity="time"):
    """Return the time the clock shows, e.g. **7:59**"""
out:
**3:47**
